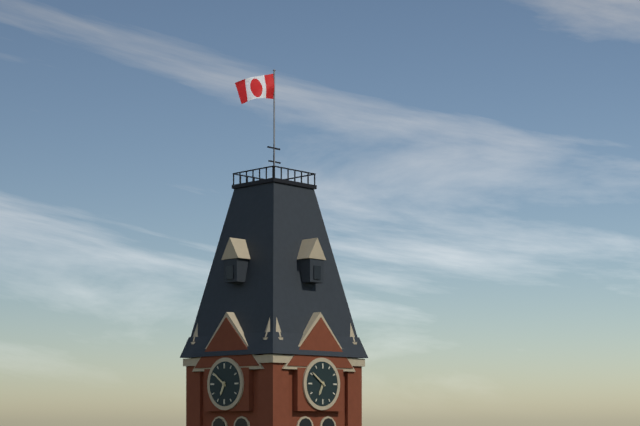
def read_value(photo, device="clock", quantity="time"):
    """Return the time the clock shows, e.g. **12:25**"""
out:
**6:51**
